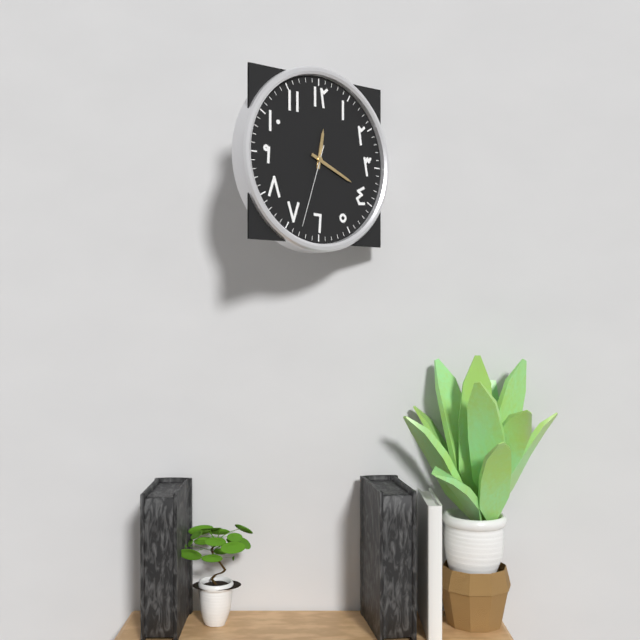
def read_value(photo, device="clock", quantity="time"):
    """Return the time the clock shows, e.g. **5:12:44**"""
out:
**12:19:33**
